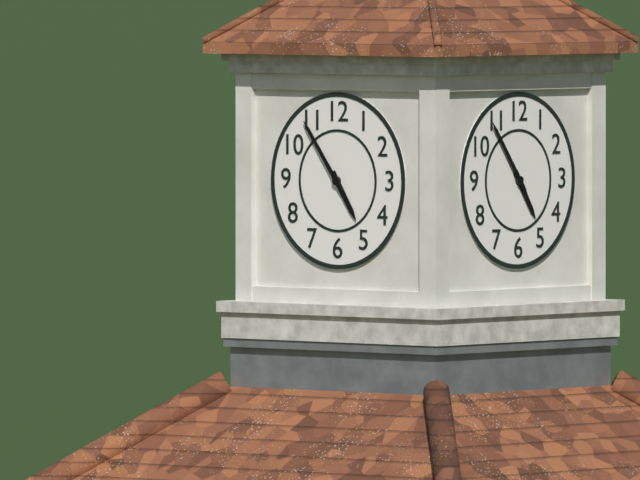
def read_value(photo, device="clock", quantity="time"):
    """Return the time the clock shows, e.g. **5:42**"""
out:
**4:54**
